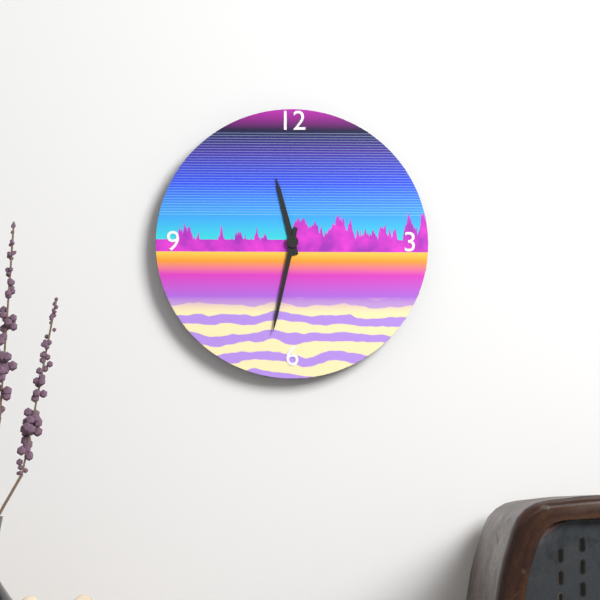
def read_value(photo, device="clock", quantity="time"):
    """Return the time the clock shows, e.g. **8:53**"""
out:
**11:32**
